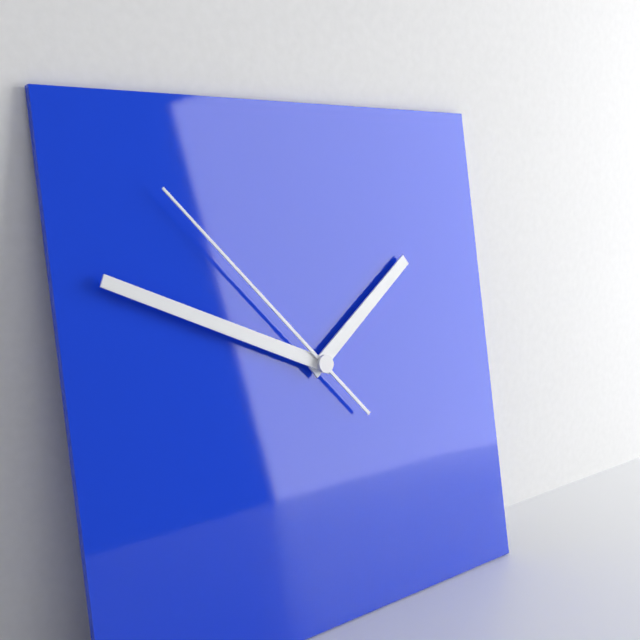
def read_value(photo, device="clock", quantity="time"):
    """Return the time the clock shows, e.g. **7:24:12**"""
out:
**1:49:53**
